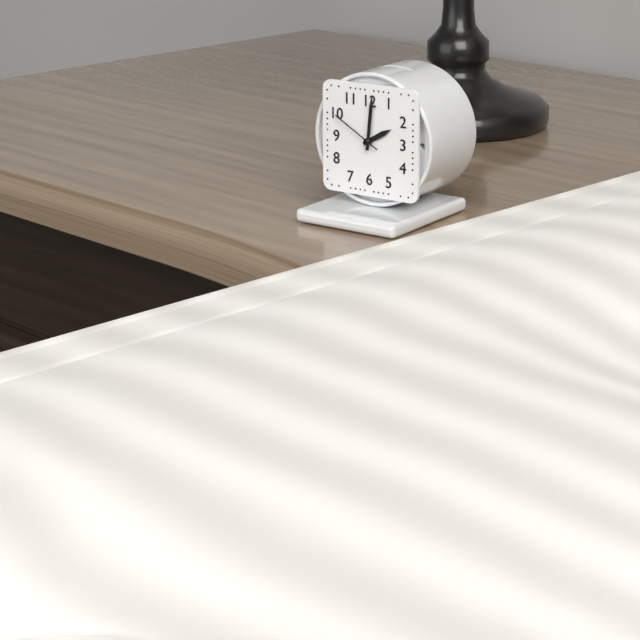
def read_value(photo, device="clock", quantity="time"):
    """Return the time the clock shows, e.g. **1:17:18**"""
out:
**2:01:50**
